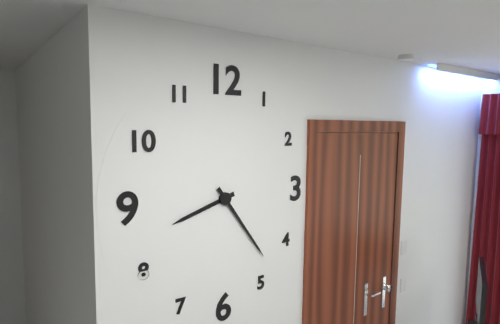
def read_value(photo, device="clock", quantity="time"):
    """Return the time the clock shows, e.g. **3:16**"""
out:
**8:24**
